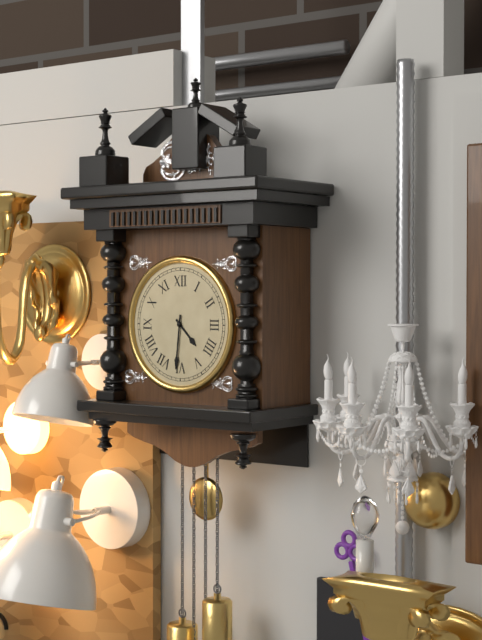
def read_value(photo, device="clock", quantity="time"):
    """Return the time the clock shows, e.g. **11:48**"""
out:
**4:31**
